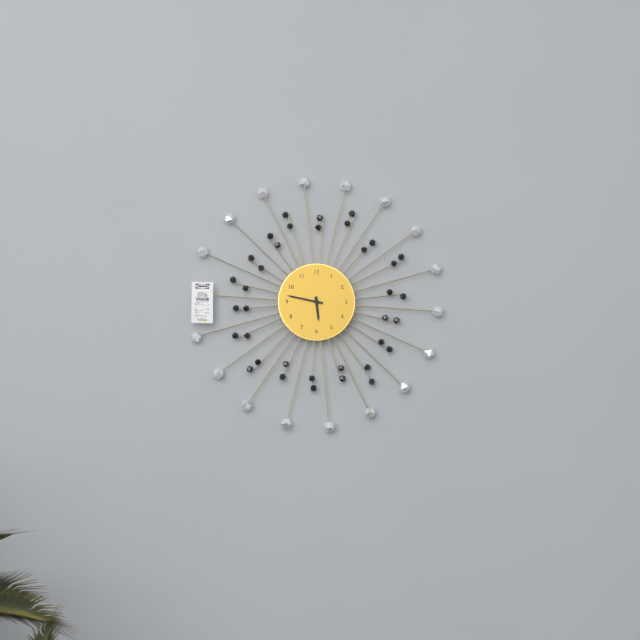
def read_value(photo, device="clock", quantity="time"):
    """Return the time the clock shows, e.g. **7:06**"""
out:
**5:47**
